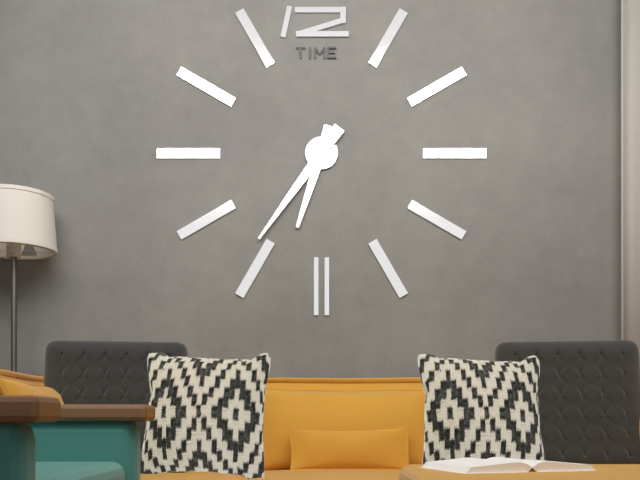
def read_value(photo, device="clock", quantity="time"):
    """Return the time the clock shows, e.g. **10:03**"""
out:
**6:36**
